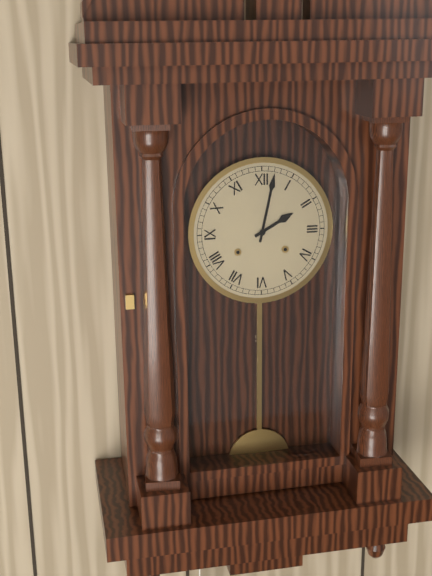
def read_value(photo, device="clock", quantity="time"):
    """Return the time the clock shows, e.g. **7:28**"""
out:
**2:02**
